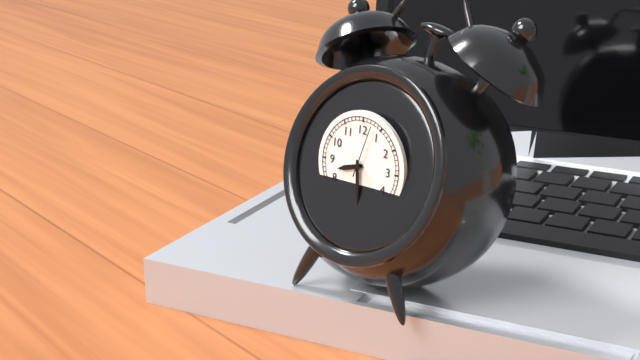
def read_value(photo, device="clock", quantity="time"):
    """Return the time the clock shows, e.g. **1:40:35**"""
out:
**8:29:03**
